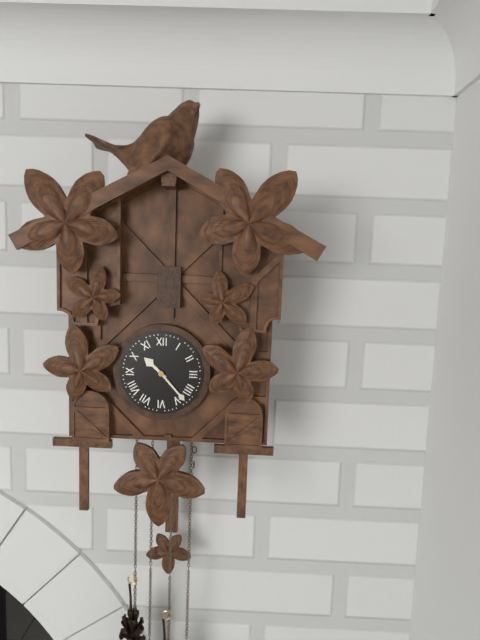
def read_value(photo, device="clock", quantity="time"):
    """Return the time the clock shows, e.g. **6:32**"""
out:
**10:23**
